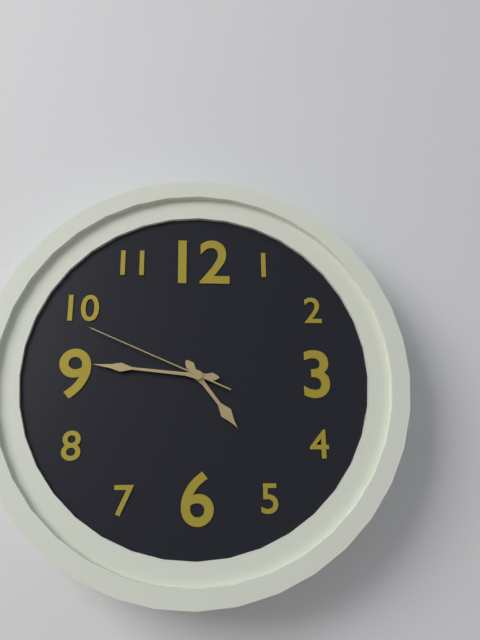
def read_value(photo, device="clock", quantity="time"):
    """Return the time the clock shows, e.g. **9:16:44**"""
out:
**4:46:49**
